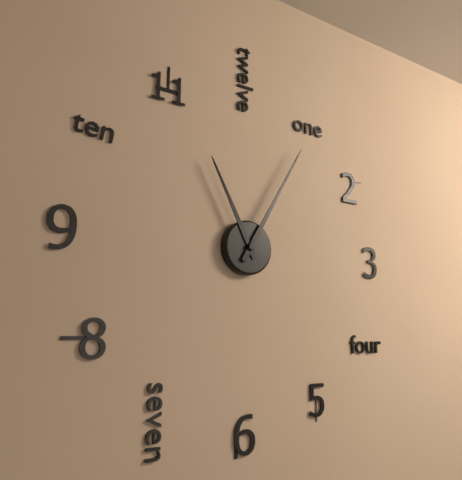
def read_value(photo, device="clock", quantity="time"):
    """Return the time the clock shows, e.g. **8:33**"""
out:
**11:05**
